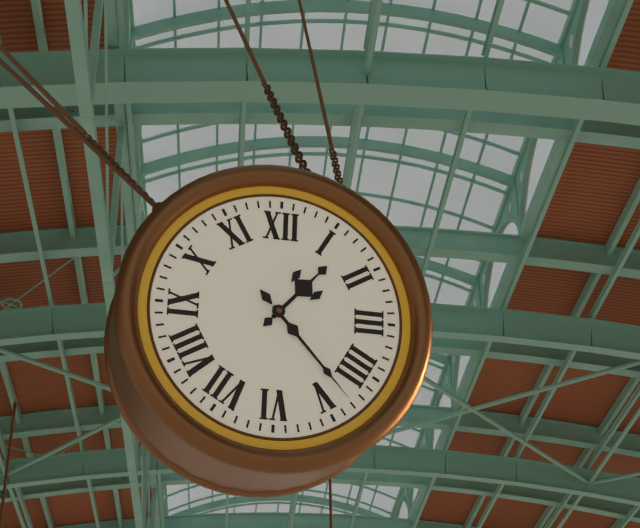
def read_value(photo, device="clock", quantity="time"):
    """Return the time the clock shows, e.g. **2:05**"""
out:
**1:23**
